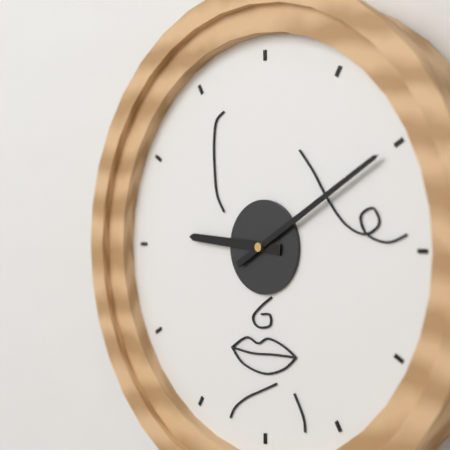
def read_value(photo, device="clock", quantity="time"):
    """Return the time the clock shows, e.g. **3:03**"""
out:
**9:10**
